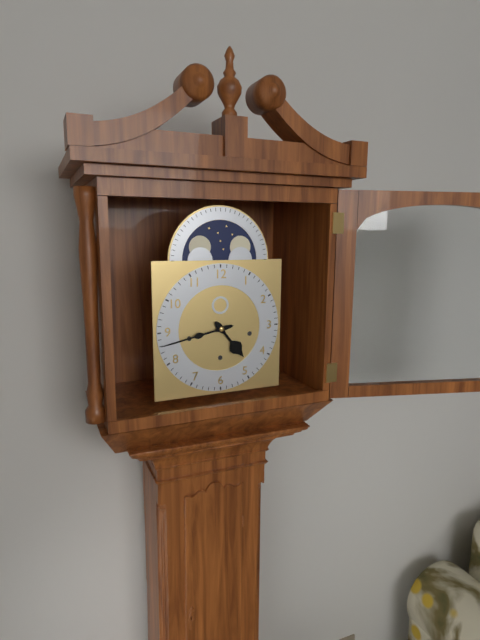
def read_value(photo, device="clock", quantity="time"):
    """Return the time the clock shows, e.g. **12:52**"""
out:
**4:43**
